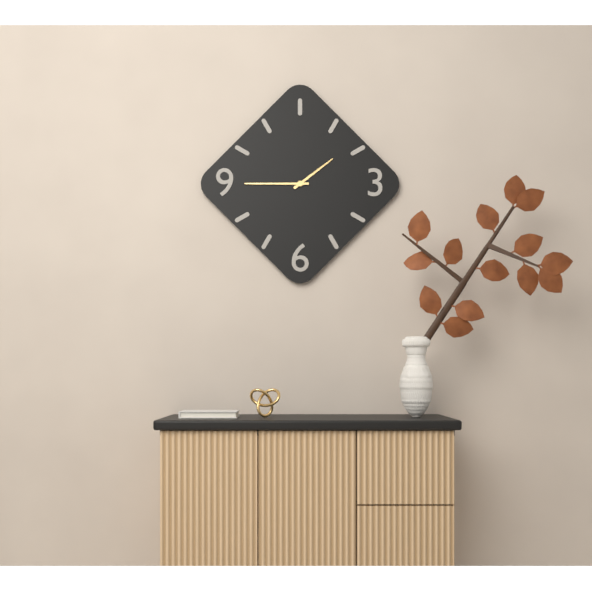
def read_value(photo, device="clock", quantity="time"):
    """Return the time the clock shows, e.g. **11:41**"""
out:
**1:45**
